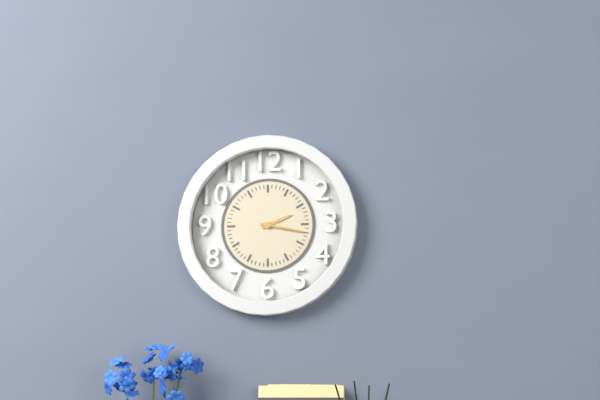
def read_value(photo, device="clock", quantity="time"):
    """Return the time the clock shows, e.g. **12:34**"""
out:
**2:17**
